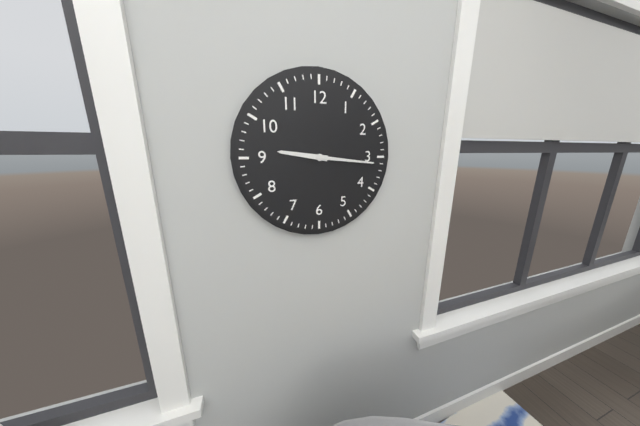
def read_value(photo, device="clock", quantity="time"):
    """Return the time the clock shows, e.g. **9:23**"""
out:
**9:16**
